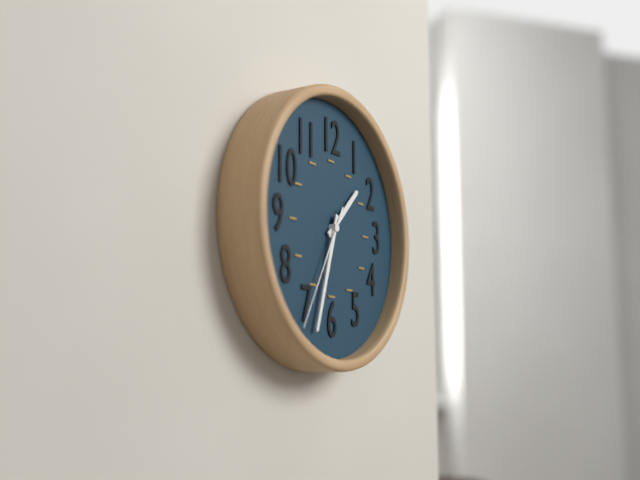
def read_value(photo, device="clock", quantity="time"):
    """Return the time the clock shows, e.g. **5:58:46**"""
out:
**1:33:35**
